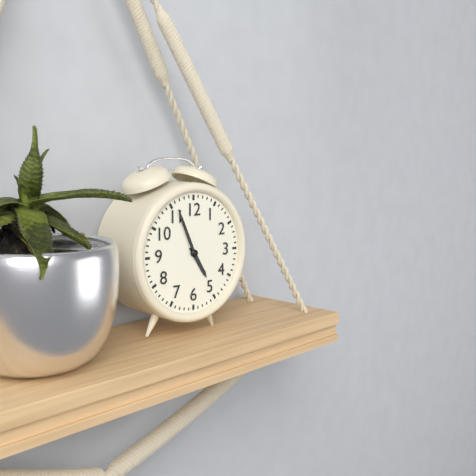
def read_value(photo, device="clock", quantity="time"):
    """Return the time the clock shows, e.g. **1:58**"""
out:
**4:56**
